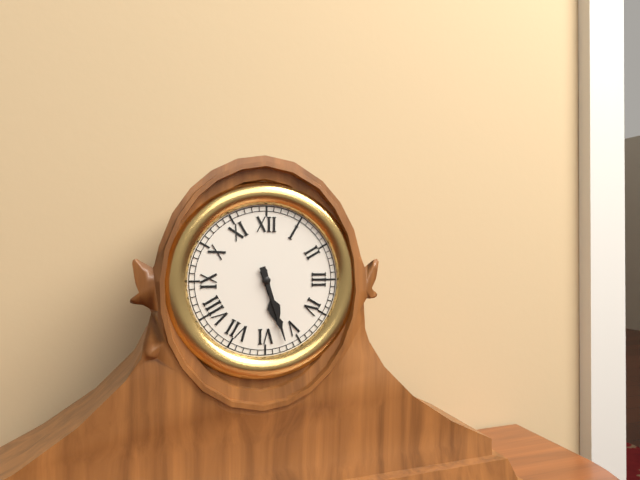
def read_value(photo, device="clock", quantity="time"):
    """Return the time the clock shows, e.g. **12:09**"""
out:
**5:27**
